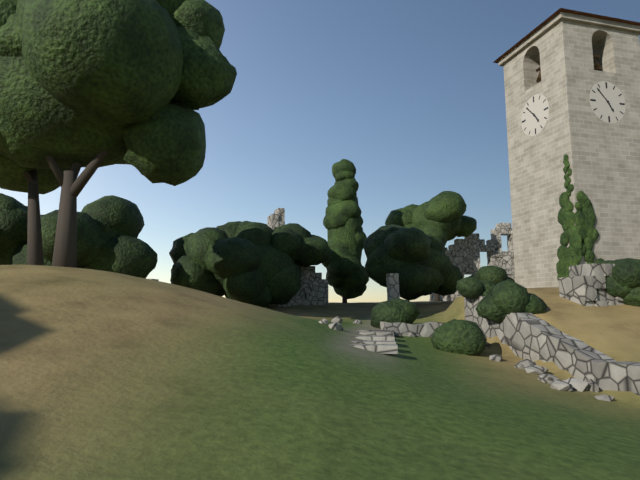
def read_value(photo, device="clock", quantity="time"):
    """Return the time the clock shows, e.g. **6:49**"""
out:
**4:53**
